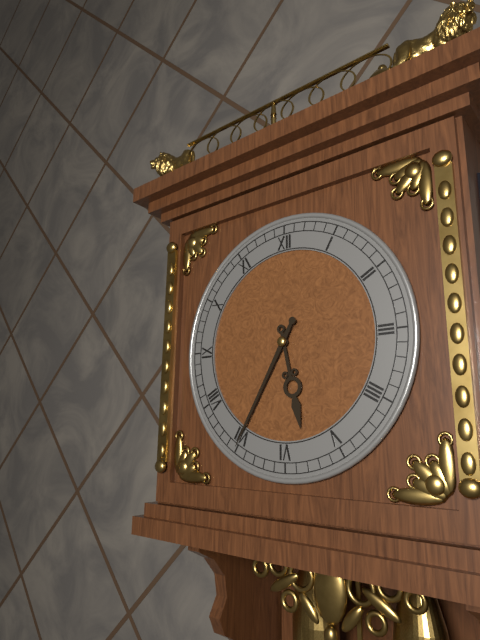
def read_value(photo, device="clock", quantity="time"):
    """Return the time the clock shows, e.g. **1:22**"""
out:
**5:35**
